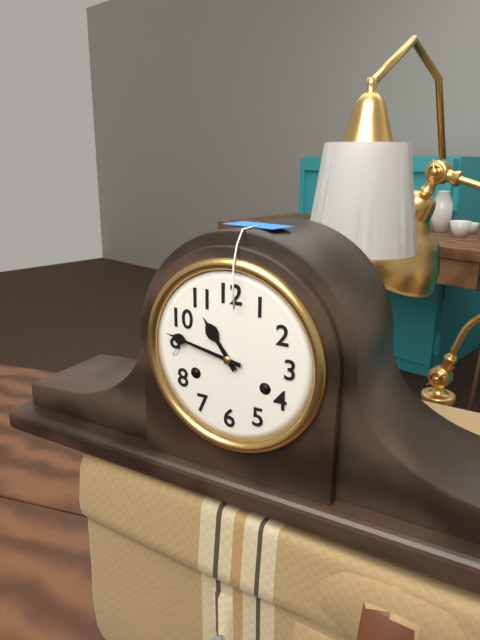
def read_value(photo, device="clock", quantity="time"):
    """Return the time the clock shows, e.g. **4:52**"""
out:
**10:47**
